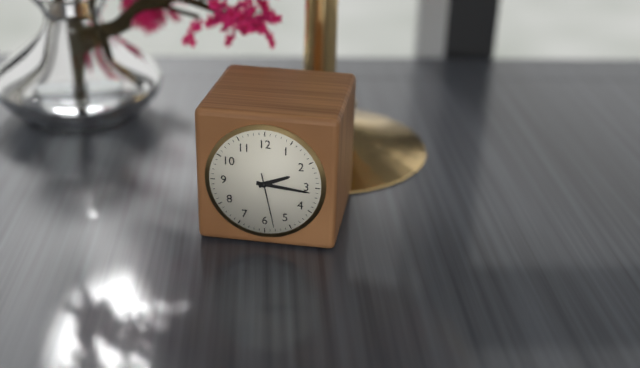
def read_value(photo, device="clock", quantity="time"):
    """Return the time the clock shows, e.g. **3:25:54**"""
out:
**2:16:28**
